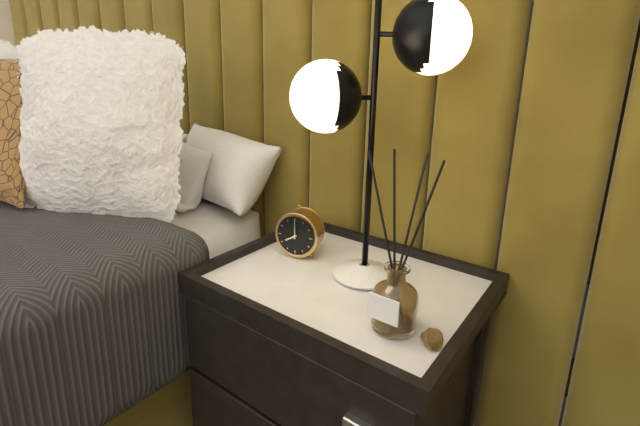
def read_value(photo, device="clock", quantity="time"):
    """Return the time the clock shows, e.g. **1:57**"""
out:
**8:00**
